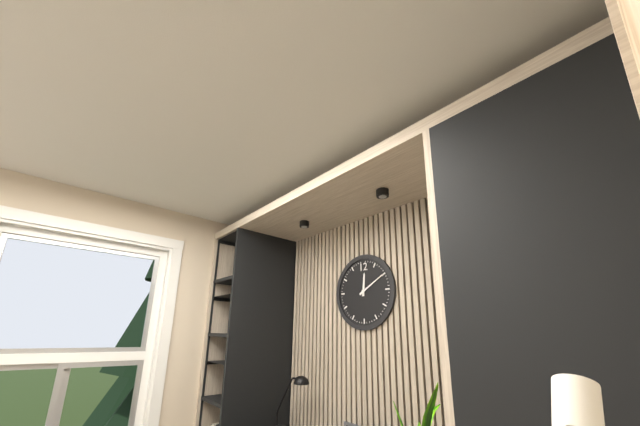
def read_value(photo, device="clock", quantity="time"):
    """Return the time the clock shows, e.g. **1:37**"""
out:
**12:10**
